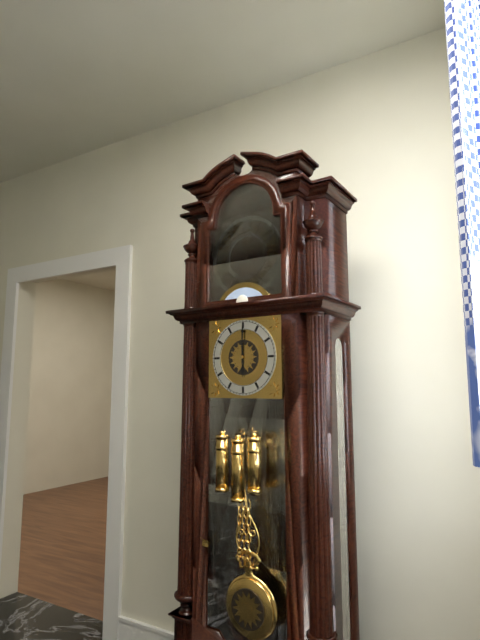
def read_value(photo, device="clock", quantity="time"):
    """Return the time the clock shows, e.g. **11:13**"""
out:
**6:00**
